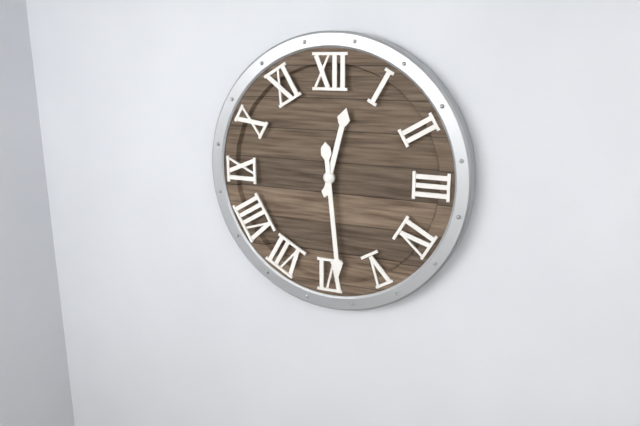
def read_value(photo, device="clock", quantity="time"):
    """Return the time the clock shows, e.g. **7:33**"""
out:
**12:29**
